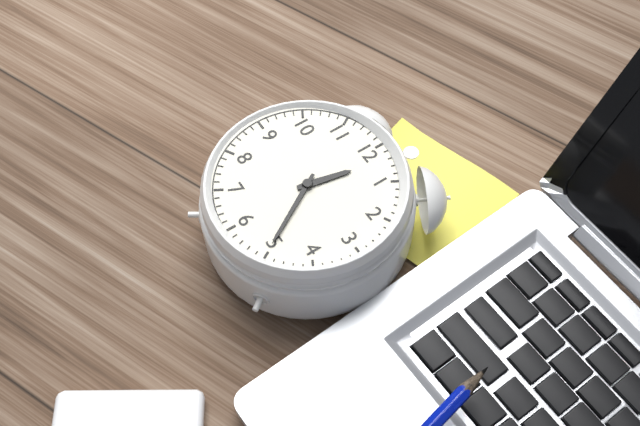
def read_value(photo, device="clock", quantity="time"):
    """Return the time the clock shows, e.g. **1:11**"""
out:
**12:25**
